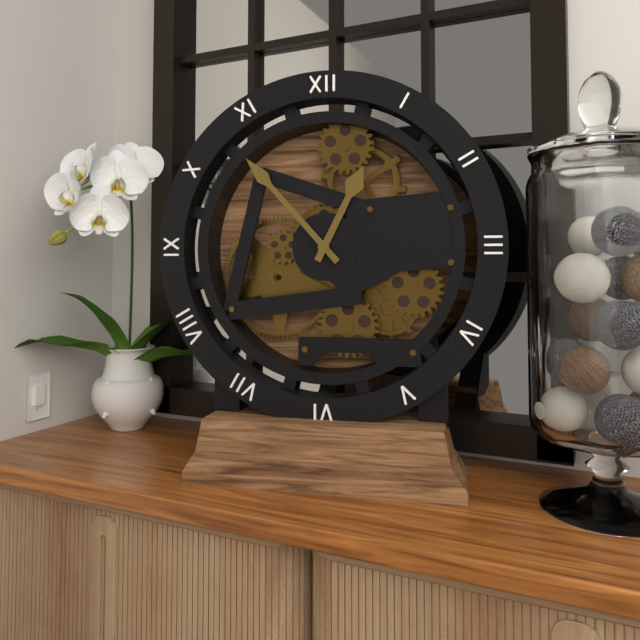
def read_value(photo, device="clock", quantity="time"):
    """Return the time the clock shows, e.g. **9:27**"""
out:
**12:53**
